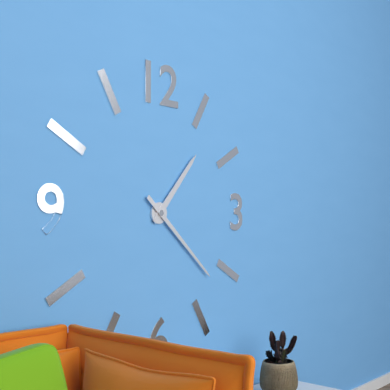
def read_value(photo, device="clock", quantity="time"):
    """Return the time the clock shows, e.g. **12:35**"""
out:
**1:22**
